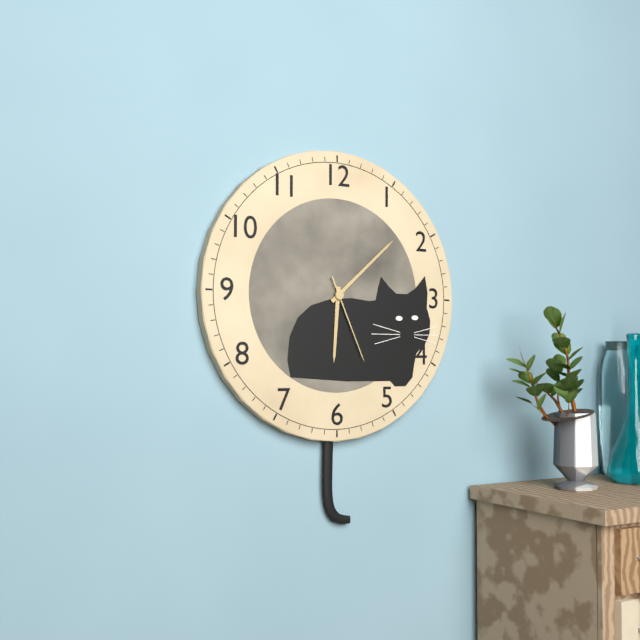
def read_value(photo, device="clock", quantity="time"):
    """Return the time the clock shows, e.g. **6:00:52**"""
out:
**6:08:26**
